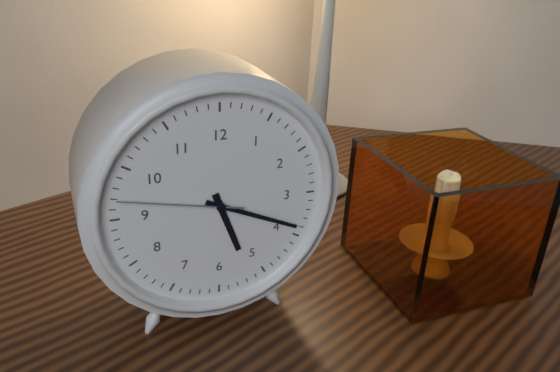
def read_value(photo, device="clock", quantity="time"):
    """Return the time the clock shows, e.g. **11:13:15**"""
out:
**5:19:47**
